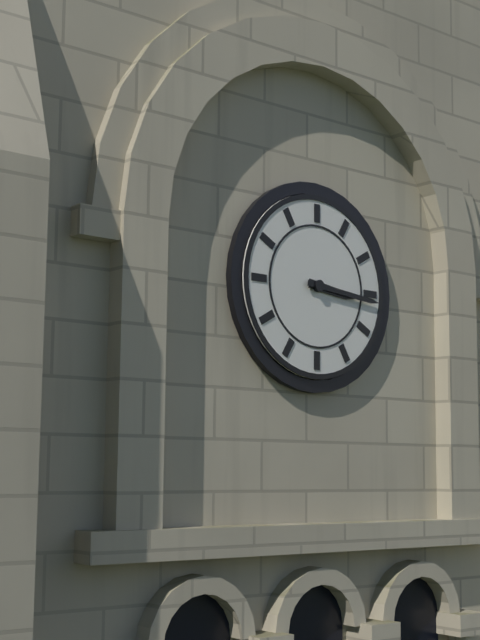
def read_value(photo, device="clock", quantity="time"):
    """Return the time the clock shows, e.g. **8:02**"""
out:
**3:16**
